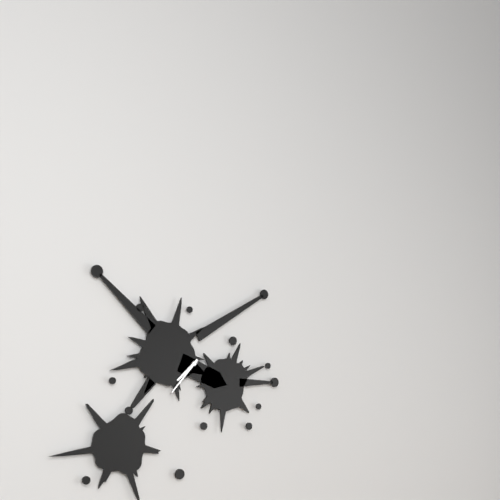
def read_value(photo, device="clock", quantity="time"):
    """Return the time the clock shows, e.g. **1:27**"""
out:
**7:37**
